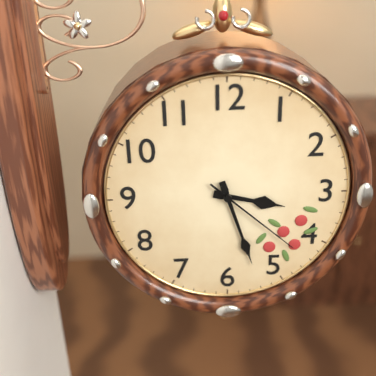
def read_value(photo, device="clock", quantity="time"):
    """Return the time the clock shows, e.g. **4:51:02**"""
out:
**3:27:22**
